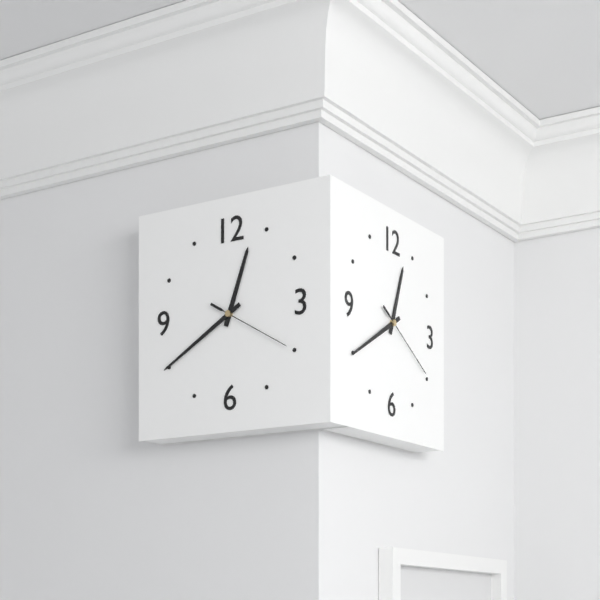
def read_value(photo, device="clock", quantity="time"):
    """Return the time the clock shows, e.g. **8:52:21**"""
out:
**12:40:20**
